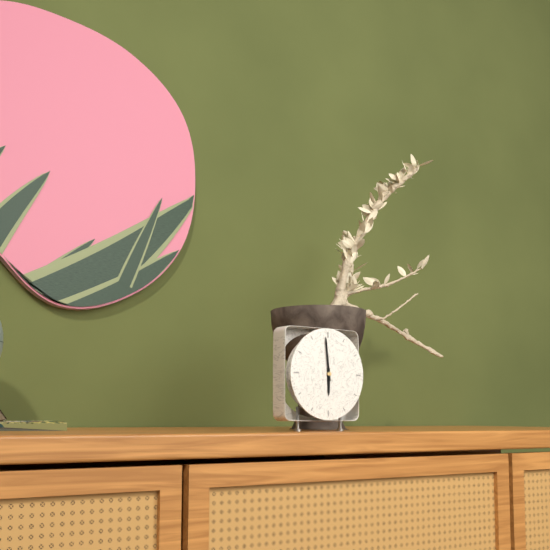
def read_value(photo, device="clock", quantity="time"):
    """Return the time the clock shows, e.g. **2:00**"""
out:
**5:59**
